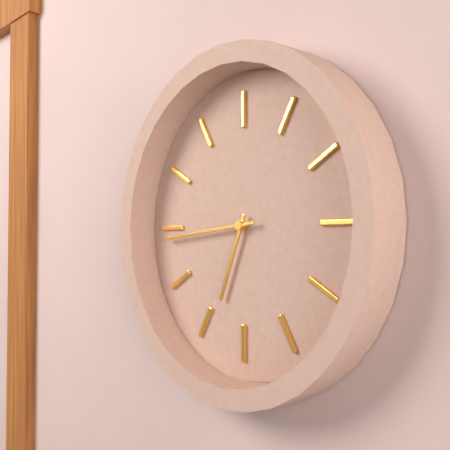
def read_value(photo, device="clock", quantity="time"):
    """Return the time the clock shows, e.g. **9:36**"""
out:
**6:44**
